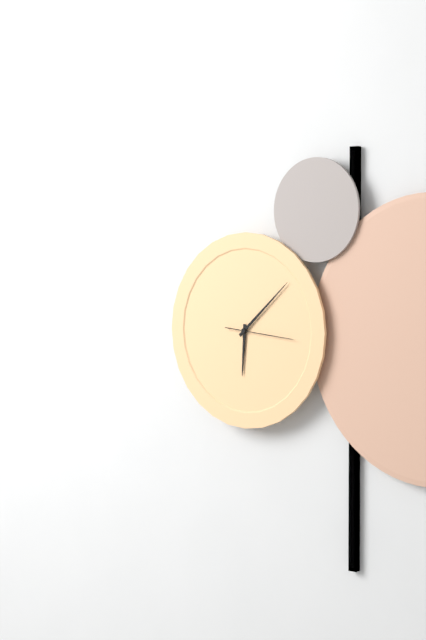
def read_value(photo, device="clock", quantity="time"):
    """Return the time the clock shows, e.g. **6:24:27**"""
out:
**6:08:16**
